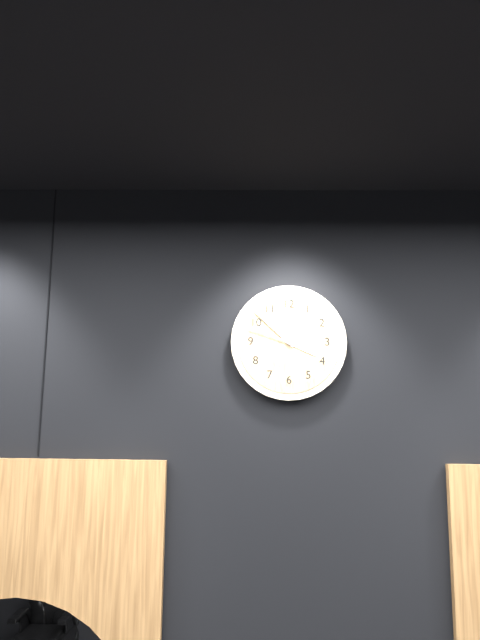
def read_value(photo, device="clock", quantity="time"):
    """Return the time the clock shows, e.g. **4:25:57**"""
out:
**3:52:48**
